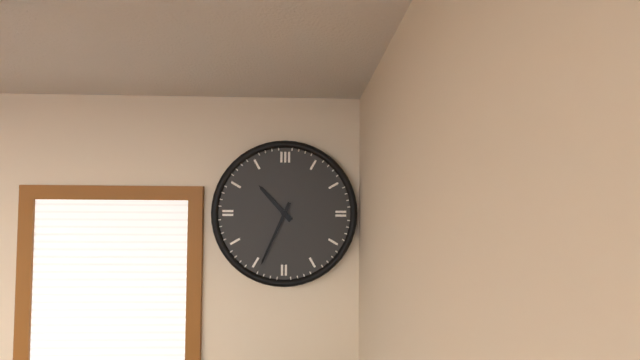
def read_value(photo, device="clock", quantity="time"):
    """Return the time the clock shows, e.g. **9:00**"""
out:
**10:34**
